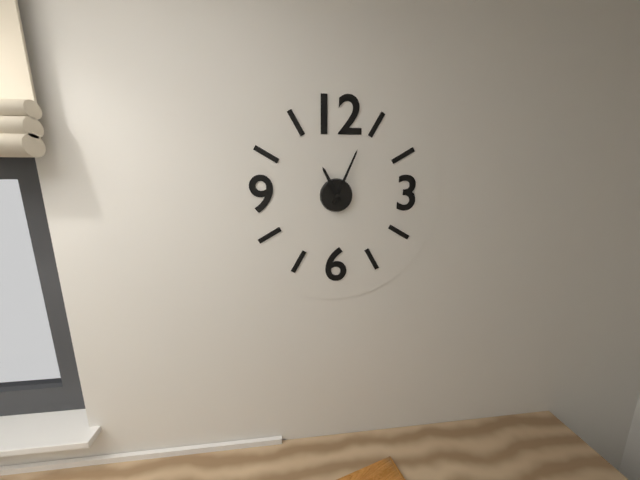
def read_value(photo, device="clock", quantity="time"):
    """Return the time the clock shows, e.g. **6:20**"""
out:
**11:04**
